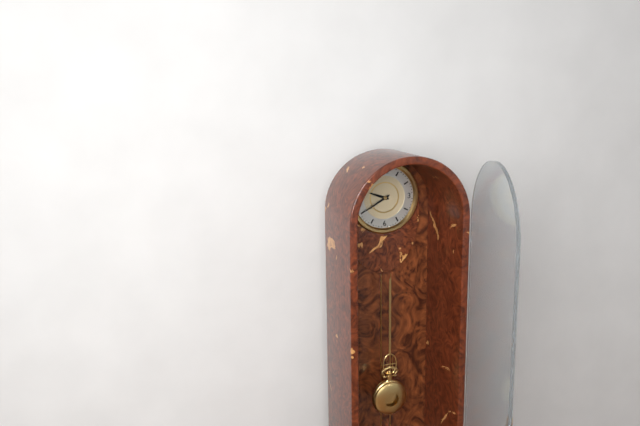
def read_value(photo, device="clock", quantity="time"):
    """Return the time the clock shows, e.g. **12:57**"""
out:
**9:40**
